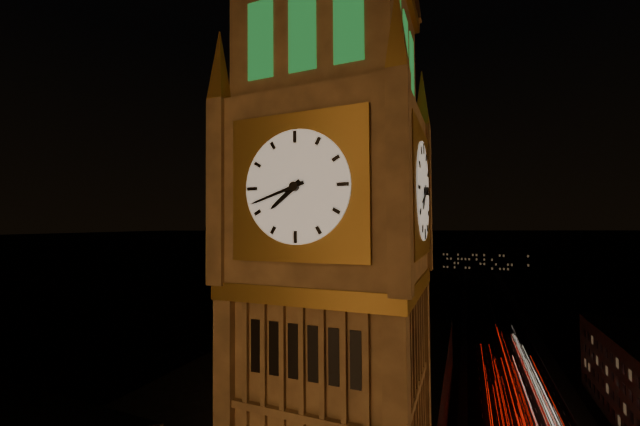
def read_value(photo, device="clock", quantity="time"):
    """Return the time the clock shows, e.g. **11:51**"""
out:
**7:42**
